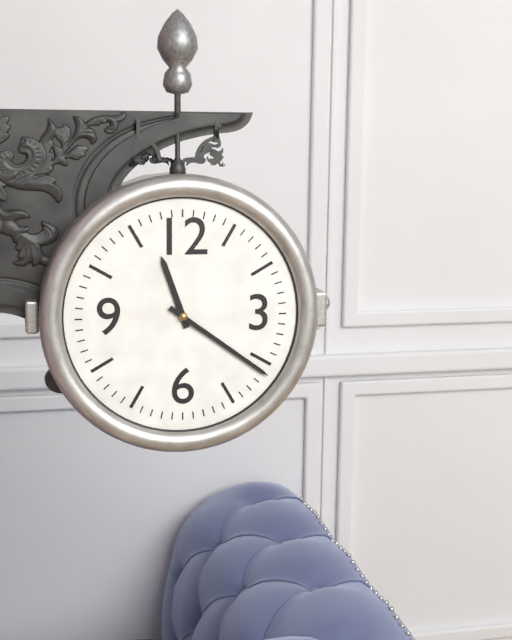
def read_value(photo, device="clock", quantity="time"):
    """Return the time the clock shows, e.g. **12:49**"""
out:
**11:21**
